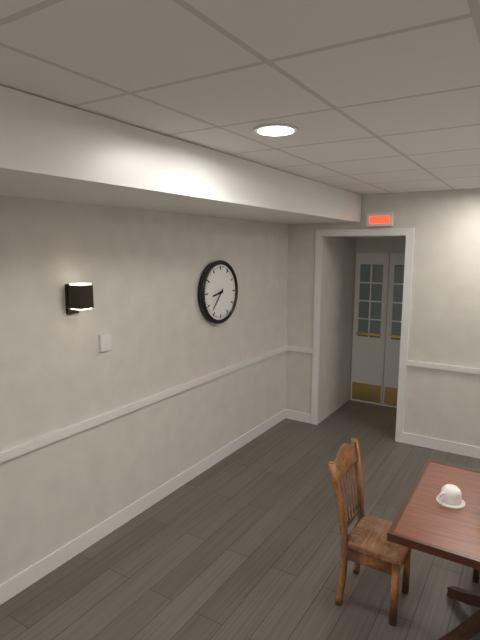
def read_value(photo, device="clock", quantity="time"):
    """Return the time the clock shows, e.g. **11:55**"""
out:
**8:37**
